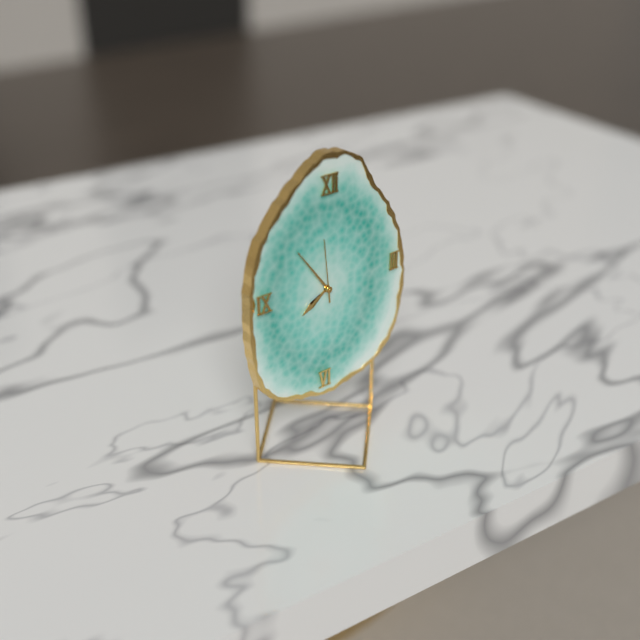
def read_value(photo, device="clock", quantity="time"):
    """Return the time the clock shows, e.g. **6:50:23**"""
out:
**7:54:59**
